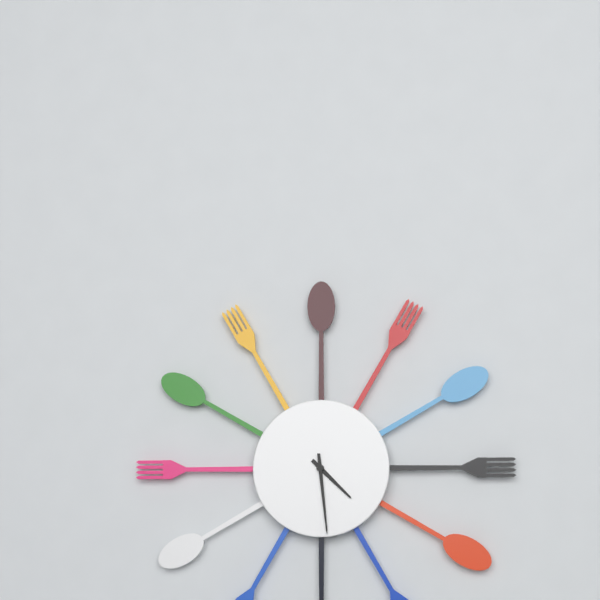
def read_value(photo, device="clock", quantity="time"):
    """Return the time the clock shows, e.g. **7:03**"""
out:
**4:29**
